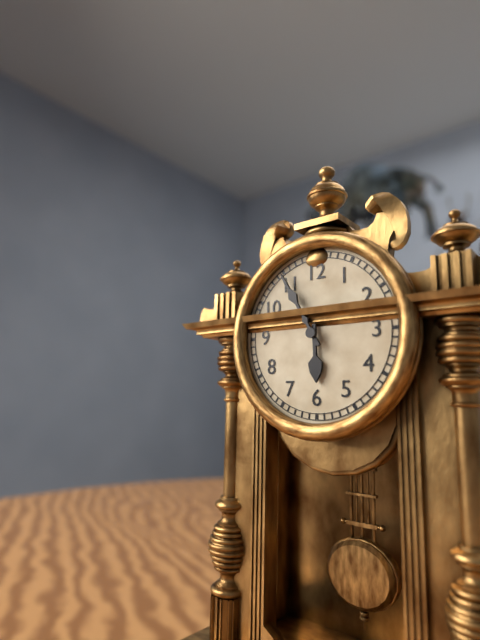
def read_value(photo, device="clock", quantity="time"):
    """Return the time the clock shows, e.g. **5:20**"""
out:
**5:55**
